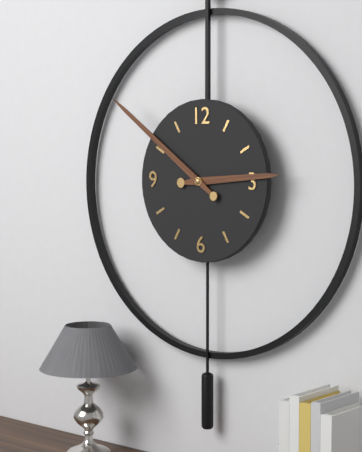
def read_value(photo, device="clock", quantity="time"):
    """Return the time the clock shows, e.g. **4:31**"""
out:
**2:51**
